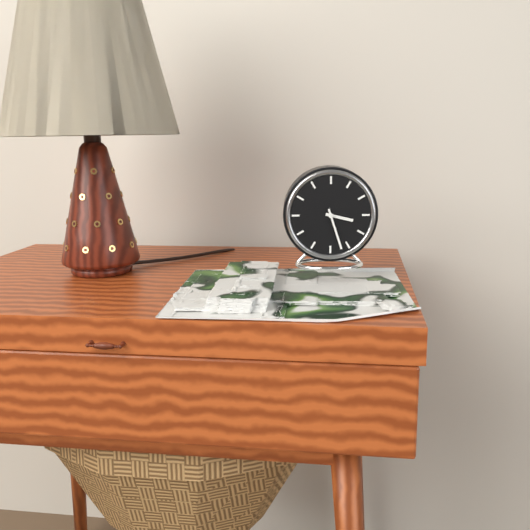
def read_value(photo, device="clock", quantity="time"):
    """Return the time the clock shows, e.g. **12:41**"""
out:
**3:27**
